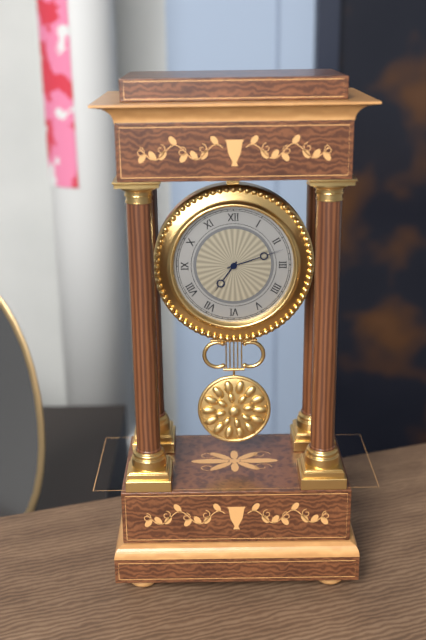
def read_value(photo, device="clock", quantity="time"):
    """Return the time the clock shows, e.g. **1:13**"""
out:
**7:12**
